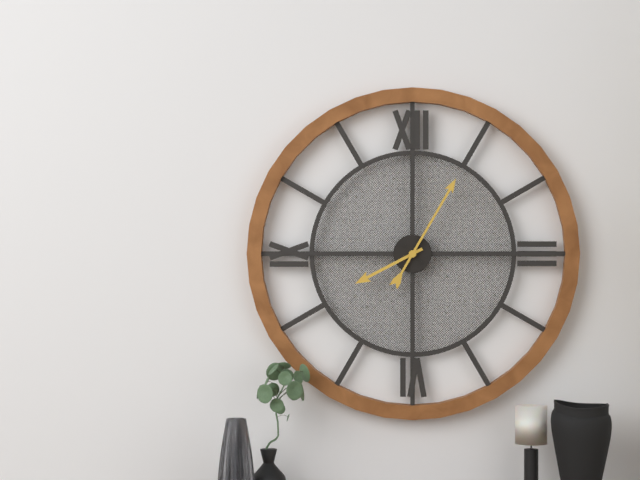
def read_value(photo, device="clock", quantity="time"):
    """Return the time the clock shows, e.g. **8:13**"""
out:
**8:05**
